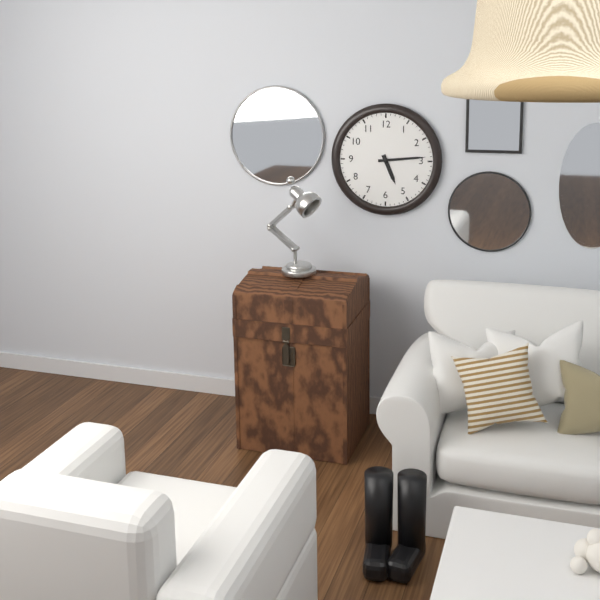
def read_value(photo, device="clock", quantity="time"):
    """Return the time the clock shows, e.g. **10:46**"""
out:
**5:14**
